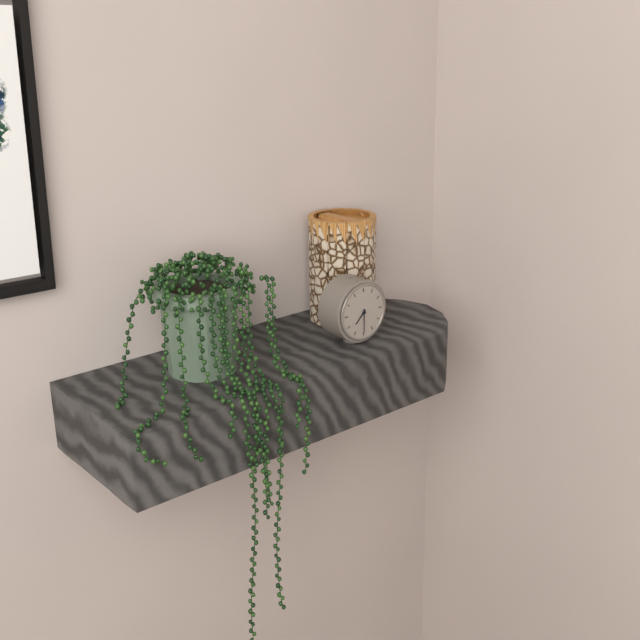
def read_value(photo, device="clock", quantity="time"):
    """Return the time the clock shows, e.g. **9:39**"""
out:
**7:30**
